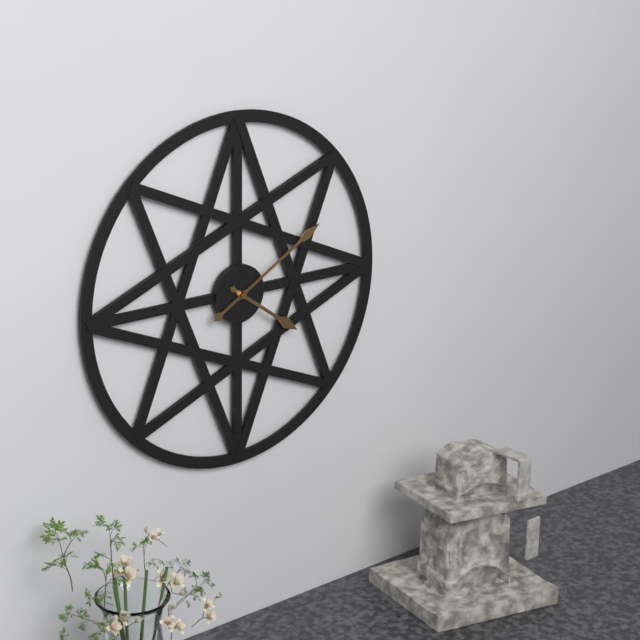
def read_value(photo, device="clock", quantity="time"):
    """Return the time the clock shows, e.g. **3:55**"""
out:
**4:10**
